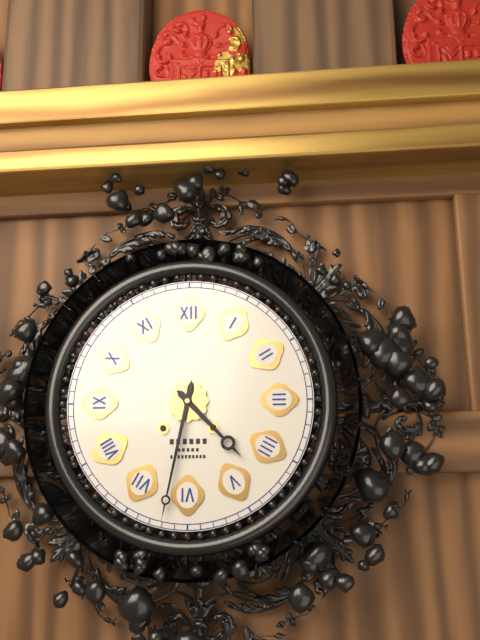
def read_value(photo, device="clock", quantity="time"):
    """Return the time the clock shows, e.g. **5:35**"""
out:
**4:32**
